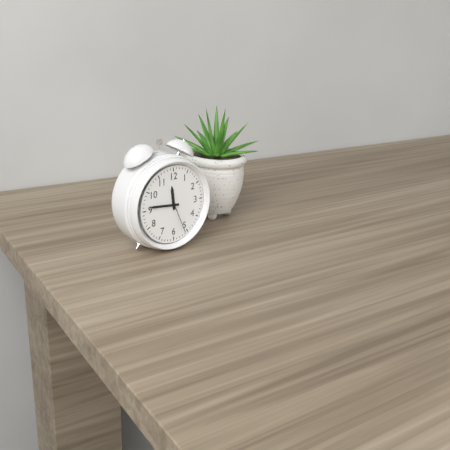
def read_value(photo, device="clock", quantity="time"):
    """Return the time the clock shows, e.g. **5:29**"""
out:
**11:46**
